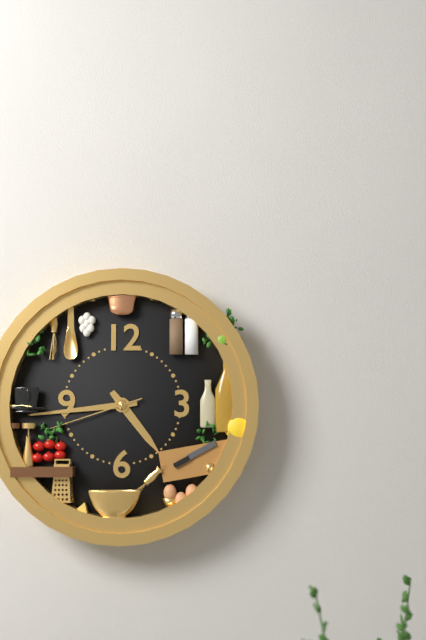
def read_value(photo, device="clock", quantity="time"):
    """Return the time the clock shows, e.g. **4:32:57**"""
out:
**4:44:42**
